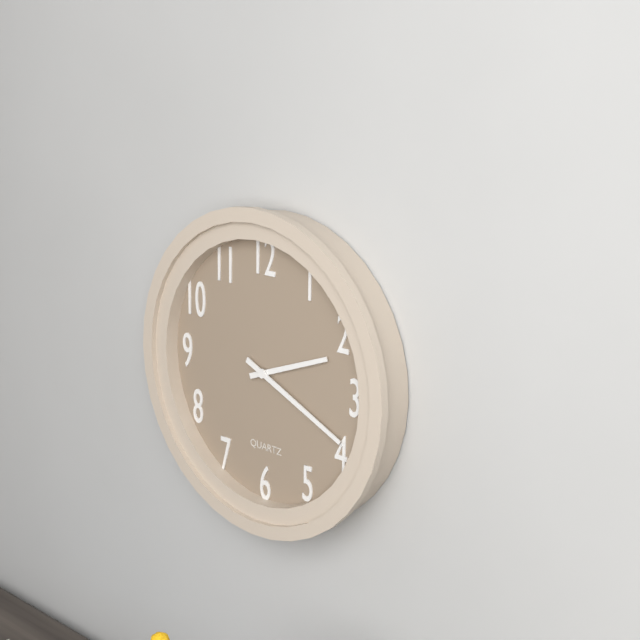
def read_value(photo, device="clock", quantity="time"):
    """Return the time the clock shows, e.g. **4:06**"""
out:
**2:19**
